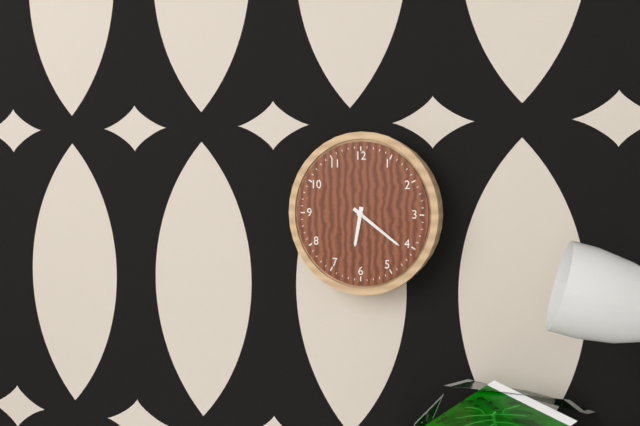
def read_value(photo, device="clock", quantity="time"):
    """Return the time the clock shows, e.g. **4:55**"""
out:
**6:21**
